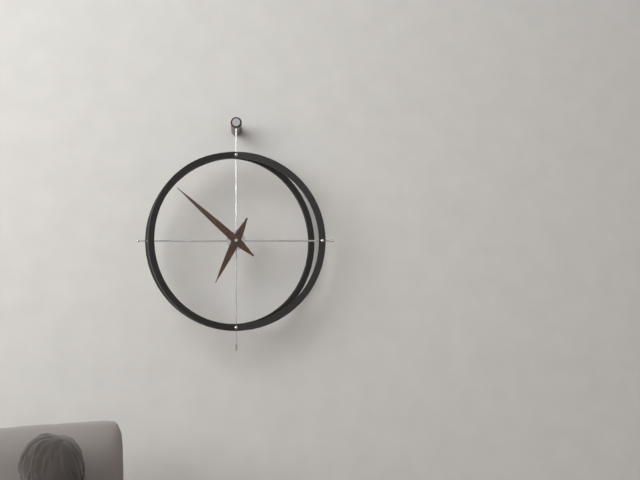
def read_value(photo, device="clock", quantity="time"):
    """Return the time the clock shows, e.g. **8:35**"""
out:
**6:52**
